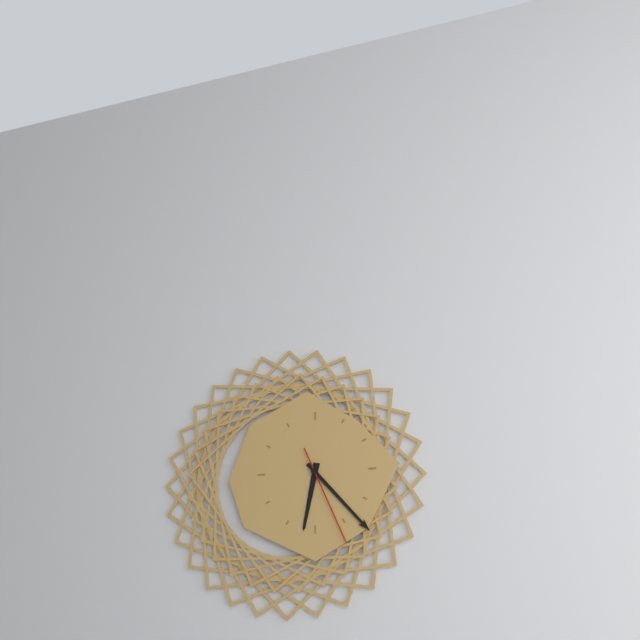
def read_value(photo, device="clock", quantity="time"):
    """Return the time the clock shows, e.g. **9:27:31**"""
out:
**6:23:26**
